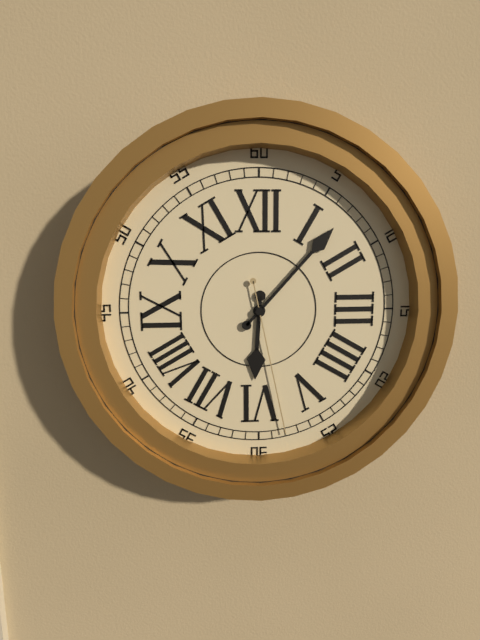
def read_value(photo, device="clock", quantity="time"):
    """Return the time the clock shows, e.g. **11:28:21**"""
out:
**6:07:28**
